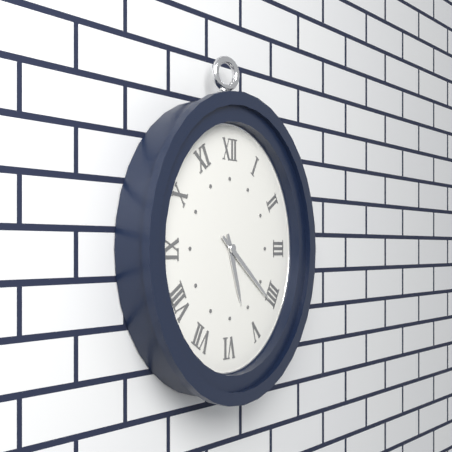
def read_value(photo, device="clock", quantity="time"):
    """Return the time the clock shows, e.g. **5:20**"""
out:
**5:21**
